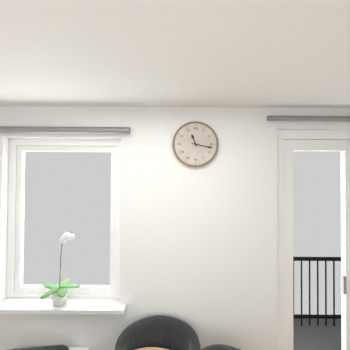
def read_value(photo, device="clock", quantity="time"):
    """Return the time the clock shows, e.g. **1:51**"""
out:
**11:17**
